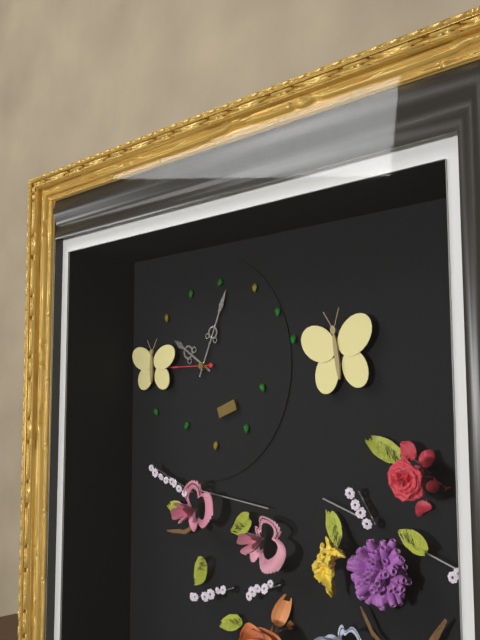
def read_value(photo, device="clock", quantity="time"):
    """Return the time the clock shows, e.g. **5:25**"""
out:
**10:04**
